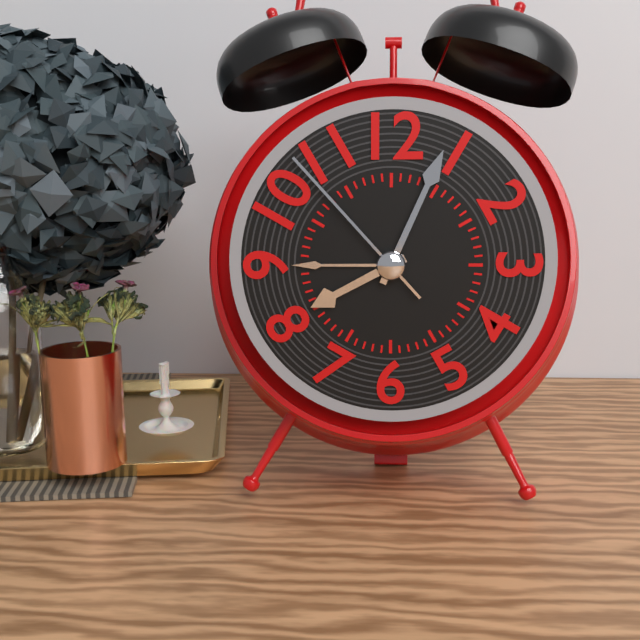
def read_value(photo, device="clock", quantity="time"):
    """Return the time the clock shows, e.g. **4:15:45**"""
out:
**8:04:53**
